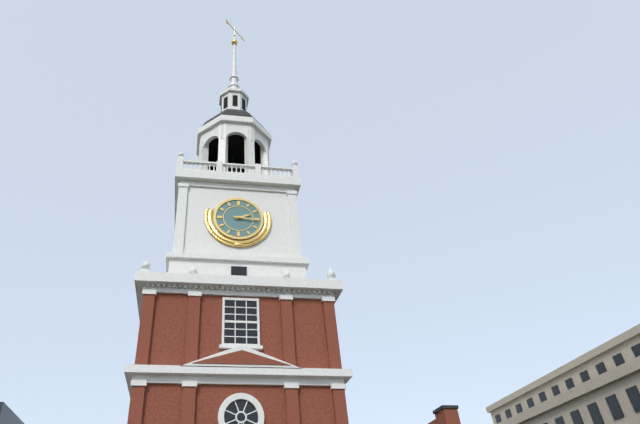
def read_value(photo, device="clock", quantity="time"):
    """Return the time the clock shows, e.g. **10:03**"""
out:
**2:16**
